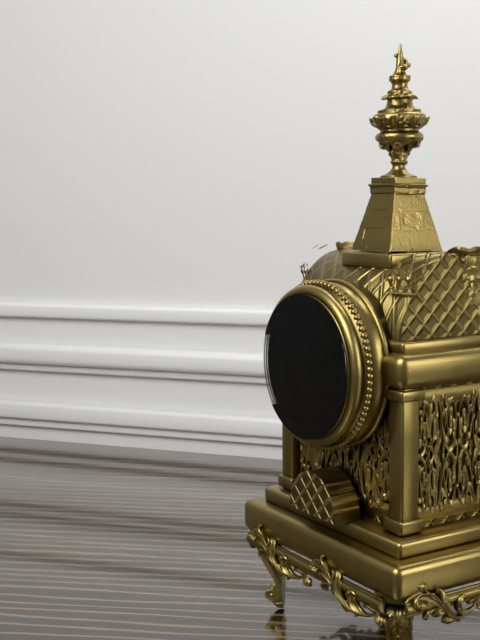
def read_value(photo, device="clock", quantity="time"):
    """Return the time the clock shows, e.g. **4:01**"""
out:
**3:41**
